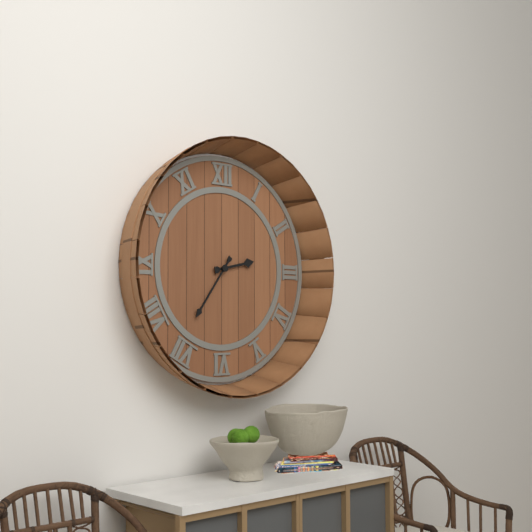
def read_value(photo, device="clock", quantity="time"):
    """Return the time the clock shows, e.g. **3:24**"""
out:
**2:36**
